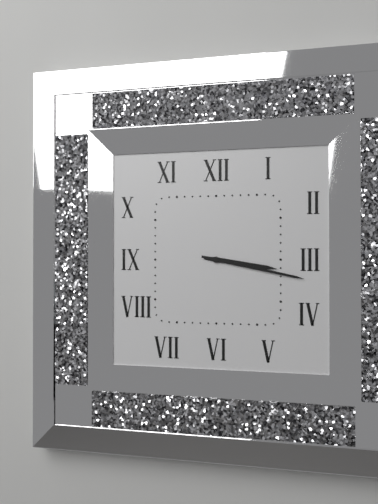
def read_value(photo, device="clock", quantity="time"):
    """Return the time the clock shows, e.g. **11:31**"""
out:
**3:17**
